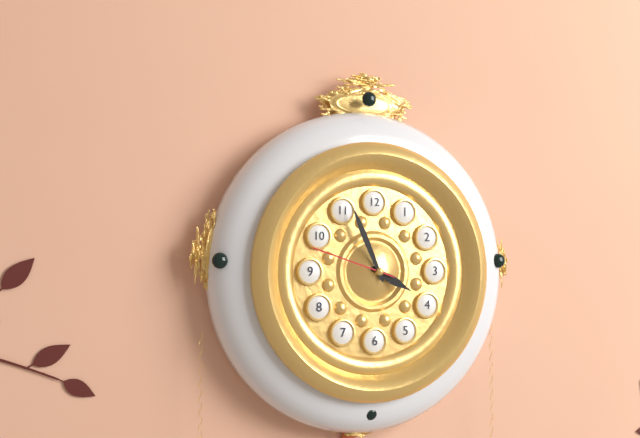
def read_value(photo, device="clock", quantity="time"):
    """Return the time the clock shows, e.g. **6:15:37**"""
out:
**3:56:48**
